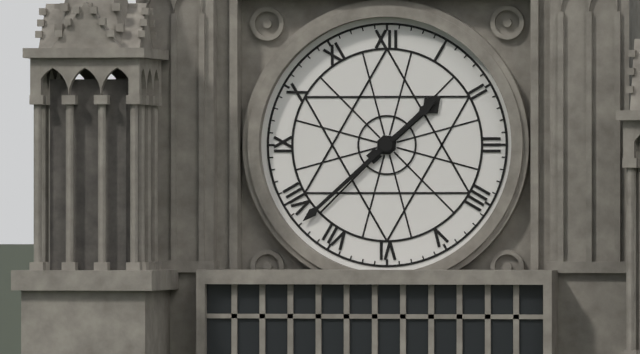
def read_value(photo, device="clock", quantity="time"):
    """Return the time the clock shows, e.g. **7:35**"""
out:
**1:38**
